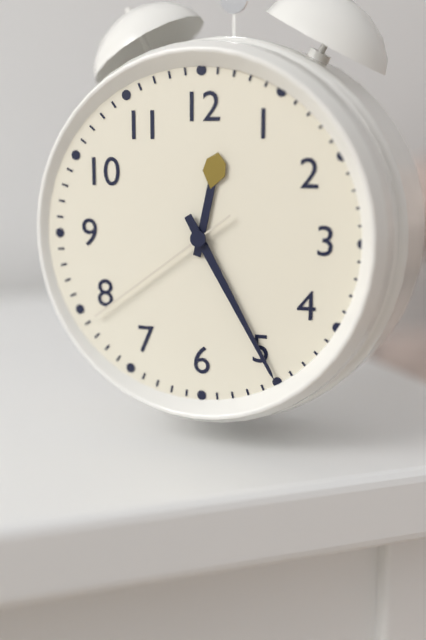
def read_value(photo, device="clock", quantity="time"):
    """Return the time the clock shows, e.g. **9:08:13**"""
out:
**12:25:39**
